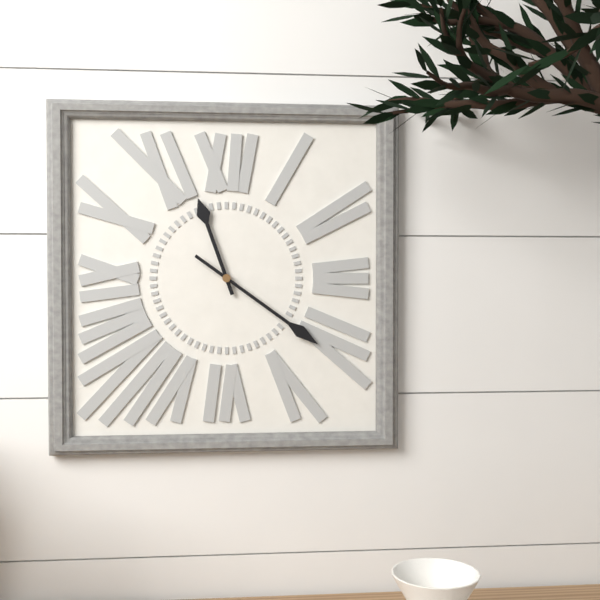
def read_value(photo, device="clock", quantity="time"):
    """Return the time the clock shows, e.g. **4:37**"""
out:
**11:21**
